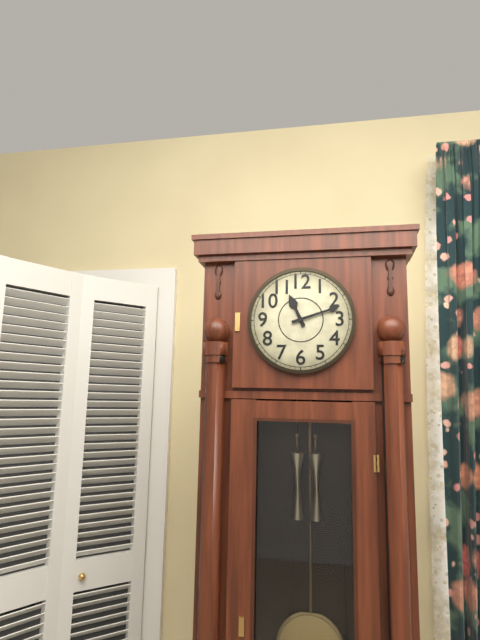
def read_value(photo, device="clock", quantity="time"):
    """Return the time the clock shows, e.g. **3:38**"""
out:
**11:12**
